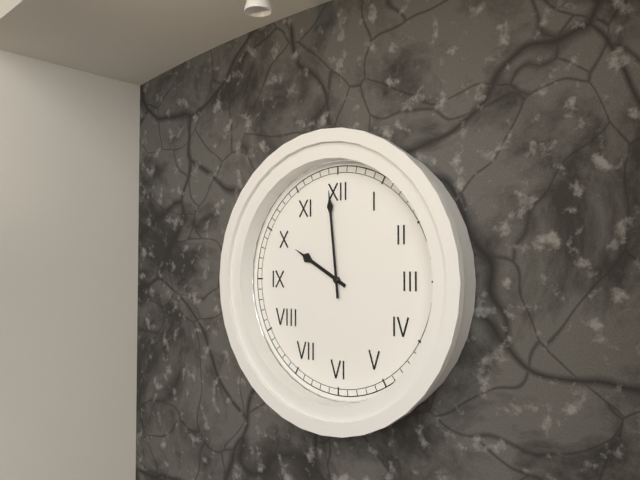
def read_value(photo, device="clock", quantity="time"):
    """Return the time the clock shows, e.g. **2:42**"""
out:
**9:59**
